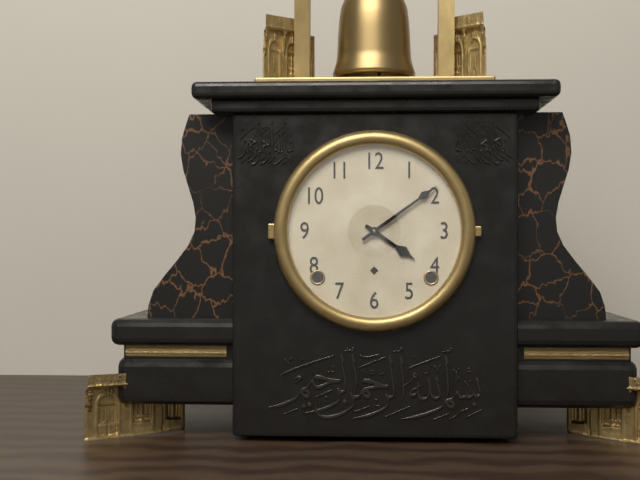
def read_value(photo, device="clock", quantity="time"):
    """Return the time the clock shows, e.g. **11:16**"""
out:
**4:09**
